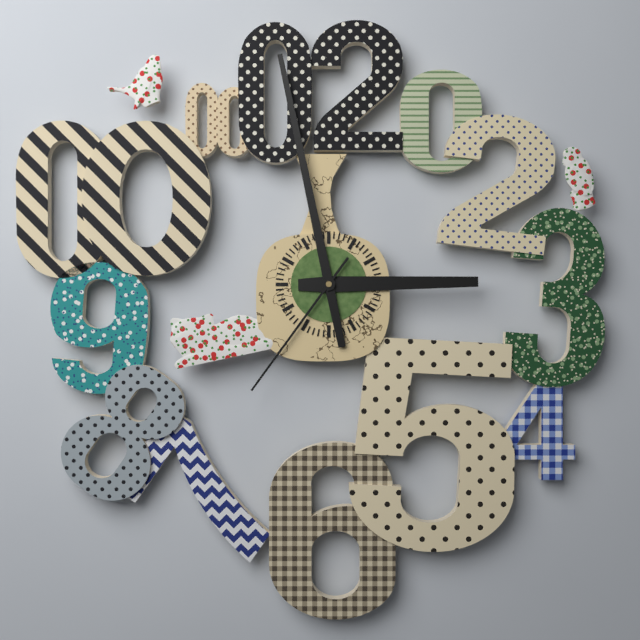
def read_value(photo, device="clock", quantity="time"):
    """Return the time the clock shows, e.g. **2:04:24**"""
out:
**2:58:36**
